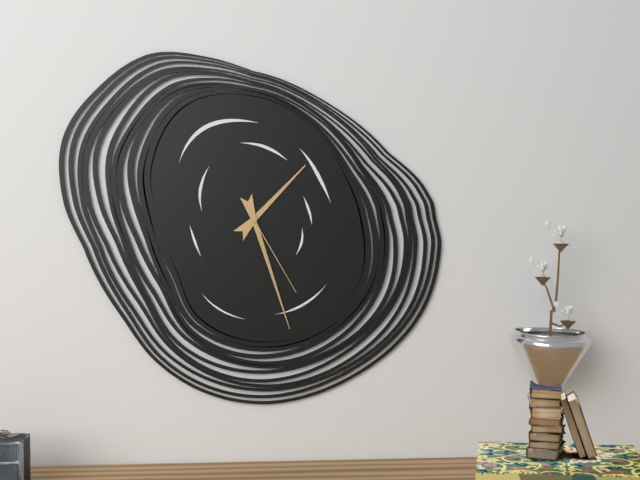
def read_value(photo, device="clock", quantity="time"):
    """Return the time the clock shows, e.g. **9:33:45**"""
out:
**1:27:25**
